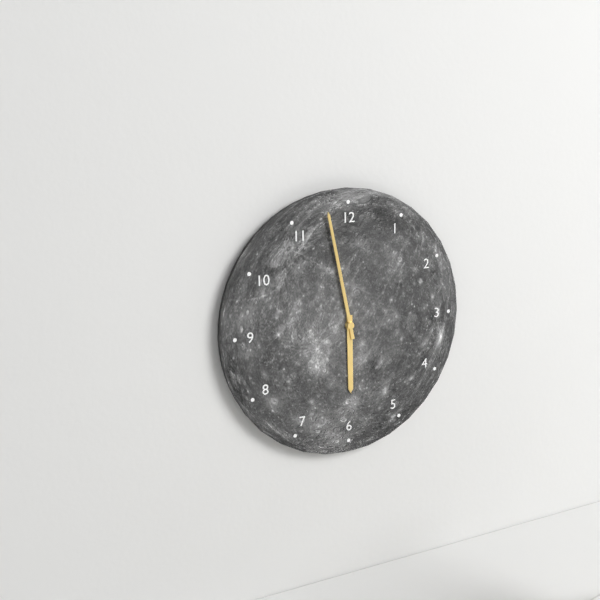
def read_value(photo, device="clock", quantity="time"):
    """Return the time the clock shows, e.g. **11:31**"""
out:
**5:58**
